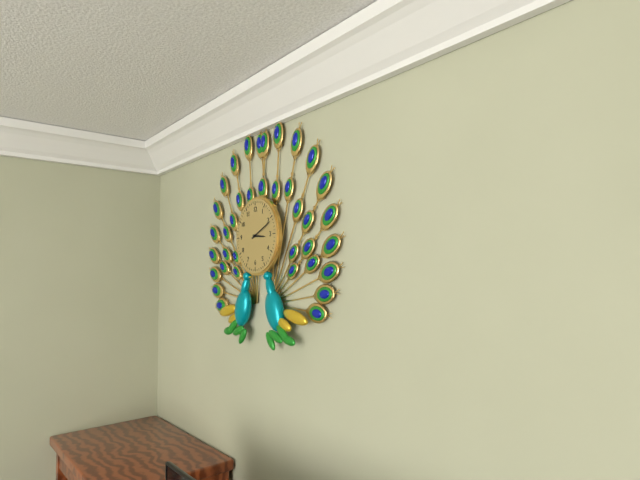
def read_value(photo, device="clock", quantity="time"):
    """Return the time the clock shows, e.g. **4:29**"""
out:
**3:11**
